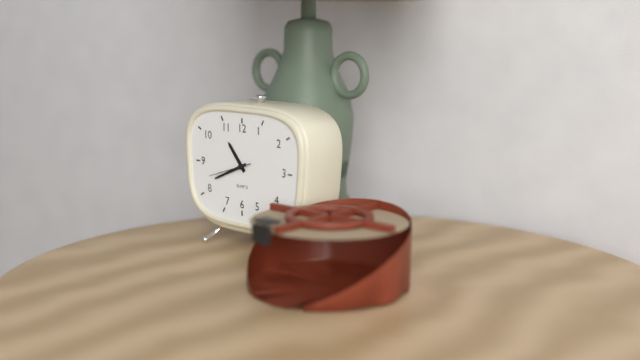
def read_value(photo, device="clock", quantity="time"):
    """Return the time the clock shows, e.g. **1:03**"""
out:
**10:41**
